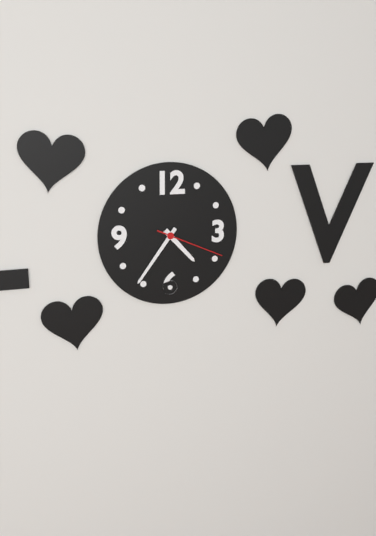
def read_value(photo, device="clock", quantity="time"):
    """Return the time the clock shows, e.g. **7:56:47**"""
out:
**4:36:19**
